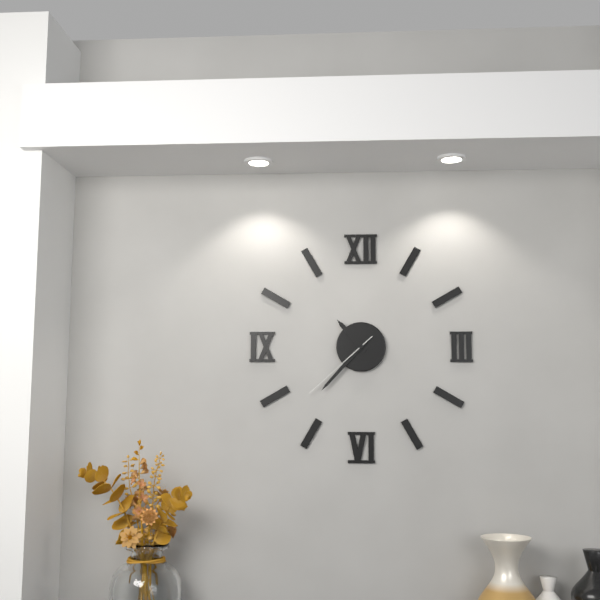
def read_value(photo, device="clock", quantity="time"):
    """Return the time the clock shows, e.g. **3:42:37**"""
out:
**10:37:38**
